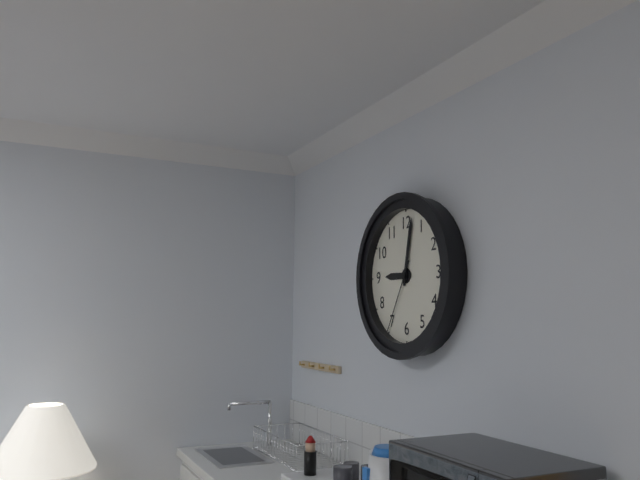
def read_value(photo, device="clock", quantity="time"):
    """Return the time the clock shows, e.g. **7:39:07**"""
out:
**9:02:35**
